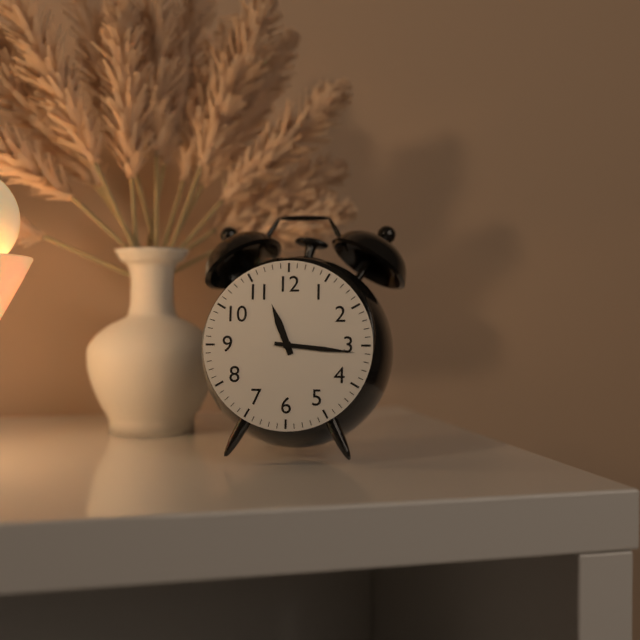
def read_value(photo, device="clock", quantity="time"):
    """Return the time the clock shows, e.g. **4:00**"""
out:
**11:16**
